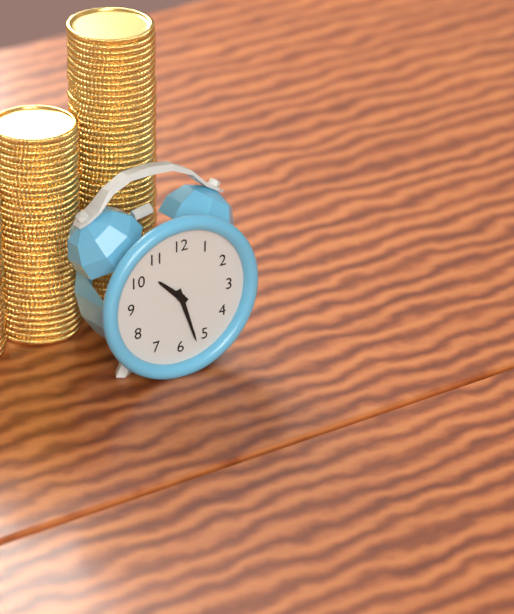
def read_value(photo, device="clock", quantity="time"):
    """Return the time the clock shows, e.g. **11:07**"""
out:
**10:27**
